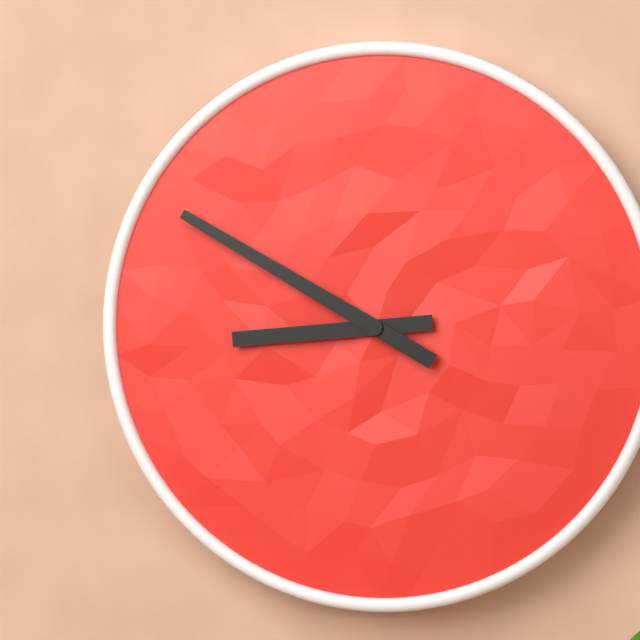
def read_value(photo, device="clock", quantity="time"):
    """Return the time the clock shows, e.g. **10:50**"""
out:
**8:50**
